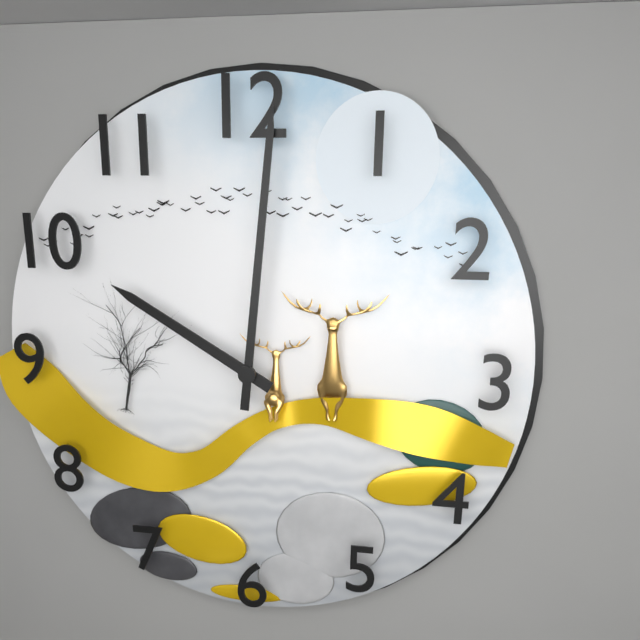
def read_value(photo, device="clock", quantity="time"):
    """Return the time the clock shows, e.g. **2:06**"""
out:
**10:01**
